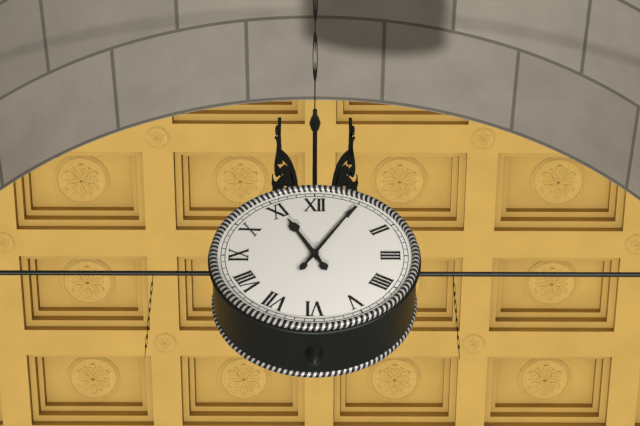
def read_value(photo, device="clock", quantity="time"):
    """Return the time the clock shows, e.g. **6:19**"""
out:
**11:05**
